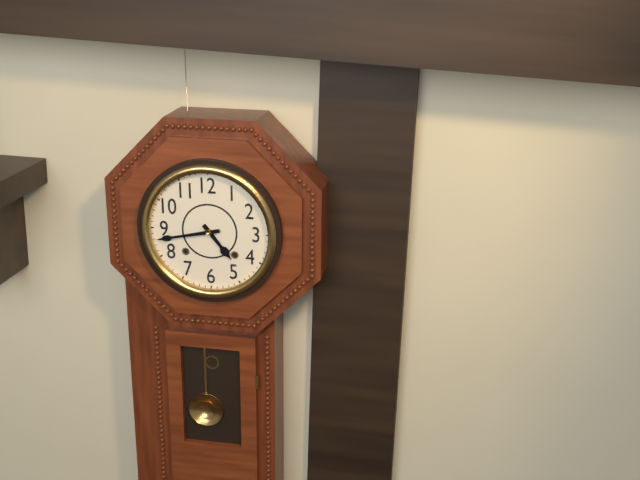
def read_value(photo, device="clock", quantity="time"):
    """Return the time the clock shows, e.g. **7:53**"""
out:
**4:43**
